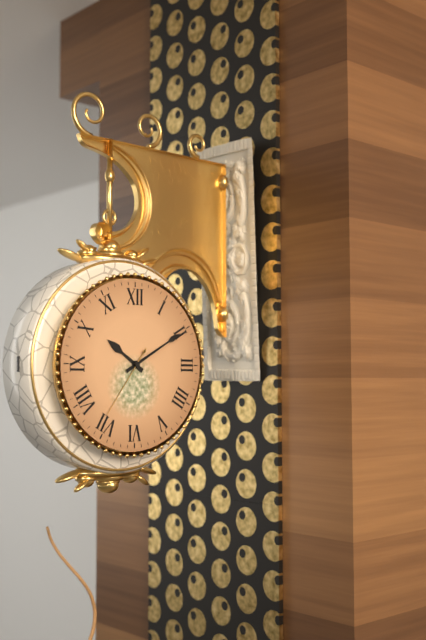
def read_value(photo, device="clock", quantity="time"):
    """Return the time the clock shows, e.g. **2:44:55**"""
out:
**10:10:36**
